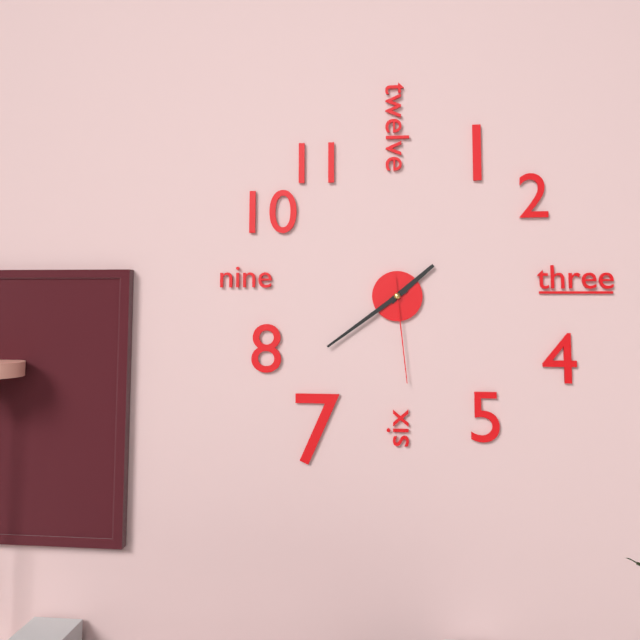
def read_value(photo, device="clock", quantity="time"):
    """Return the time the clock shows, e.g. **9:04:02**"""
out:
**1:39:29**
